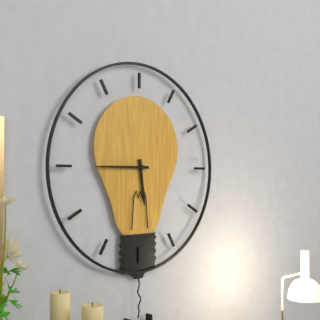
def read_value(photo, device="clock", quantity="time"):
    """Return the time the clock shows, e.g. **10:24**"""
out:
**5:45**
